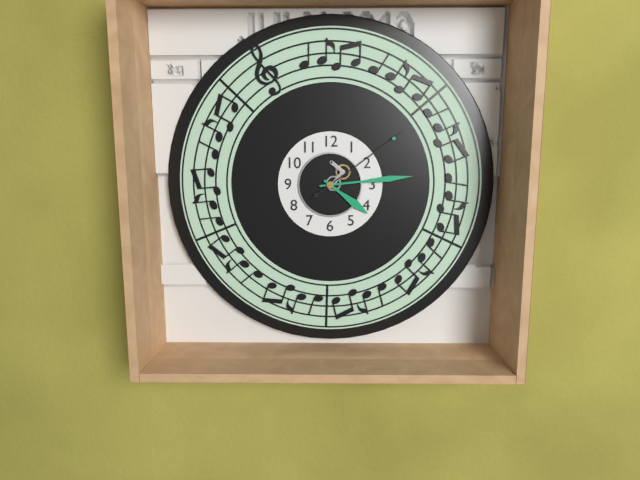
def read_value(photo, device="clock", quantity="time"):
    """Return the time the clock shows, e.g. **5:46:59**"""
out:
**4:14:09**
